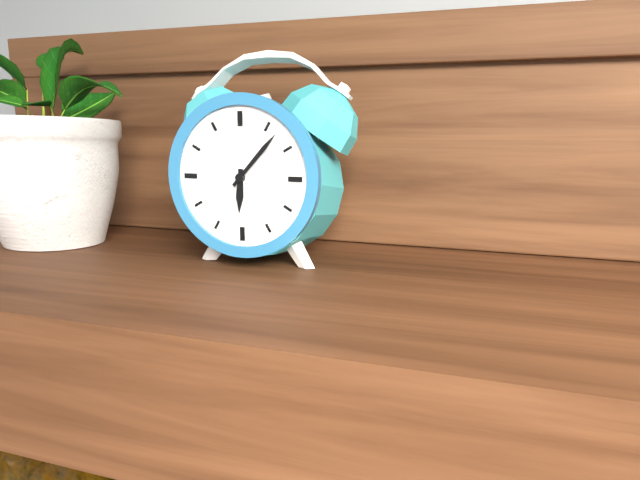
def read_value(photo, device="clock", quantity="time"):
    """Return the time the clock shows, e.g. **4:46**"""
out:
**6:07**
